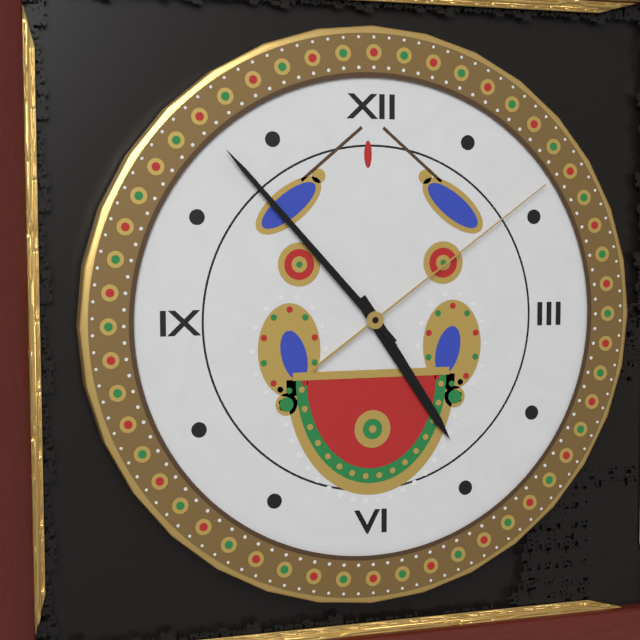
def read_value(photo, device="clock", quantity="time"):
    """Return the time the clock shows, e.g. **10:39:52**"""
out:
**4:53:09**
